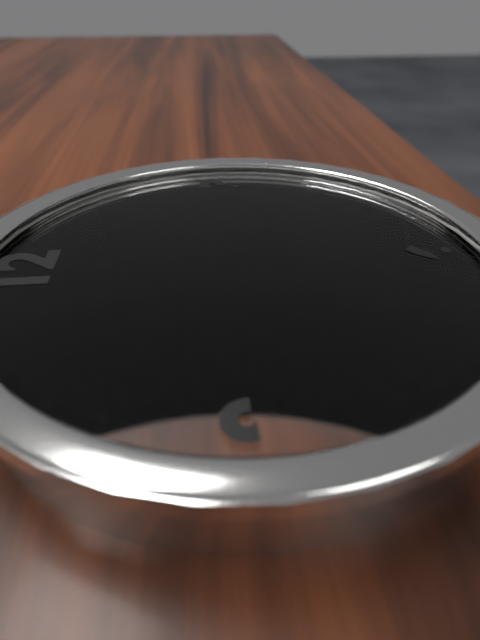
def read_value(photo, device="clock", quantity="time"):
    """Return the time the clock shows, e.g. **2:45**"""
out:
**8:26**
